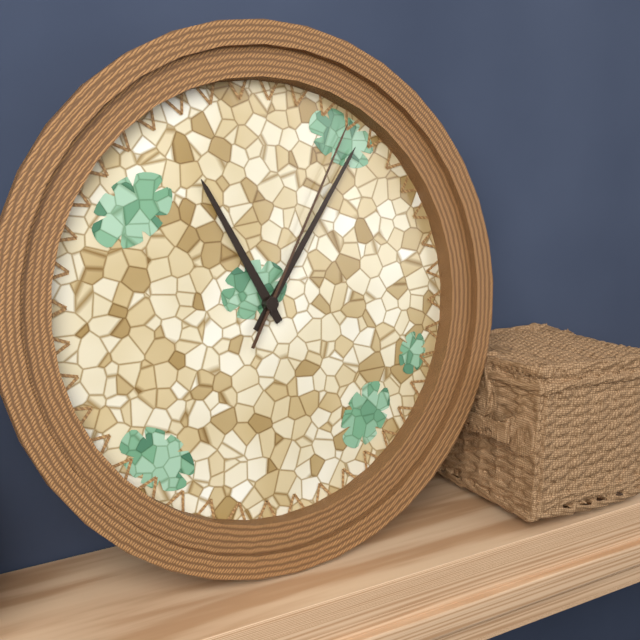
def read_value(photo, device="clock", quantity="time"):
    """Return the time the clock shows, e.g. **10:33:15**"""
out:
**11:06:05**
